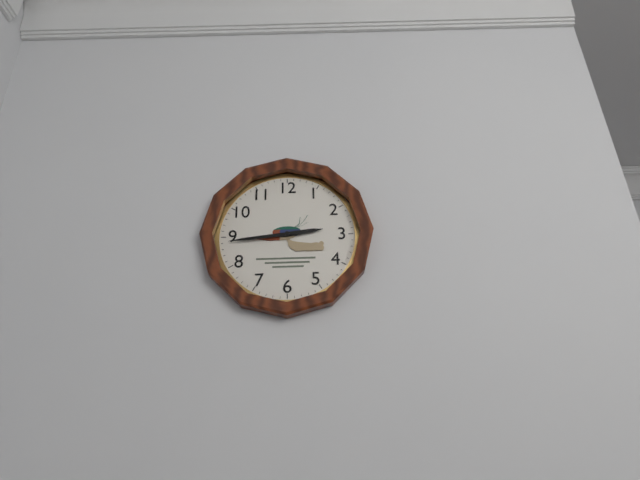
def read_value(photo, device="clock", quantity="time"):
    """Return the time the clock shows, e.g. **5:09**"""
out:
**2:44**
